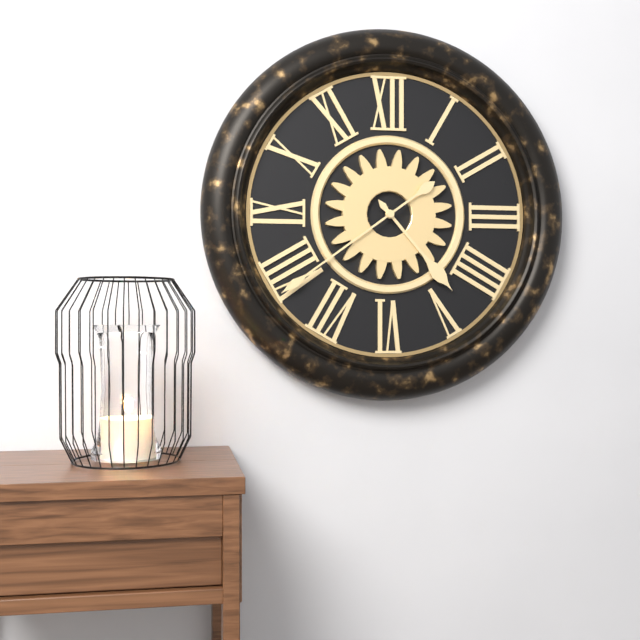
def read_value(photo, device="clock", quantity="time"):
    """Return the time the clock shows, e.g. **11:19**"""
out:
**4:39**
